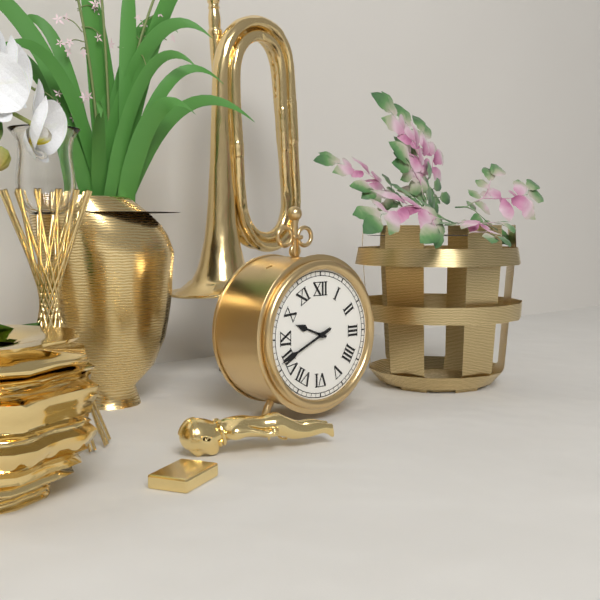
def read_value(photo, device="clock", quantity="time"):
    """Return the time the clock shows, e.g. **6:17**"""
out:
**9:41**
